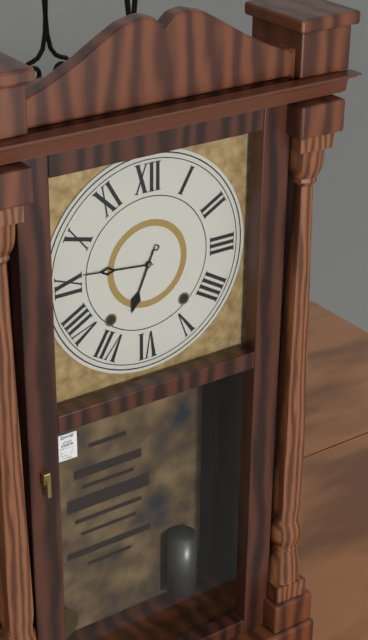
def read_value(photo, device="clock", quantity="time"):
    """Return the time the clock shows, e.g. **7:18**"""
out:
**6:46**
